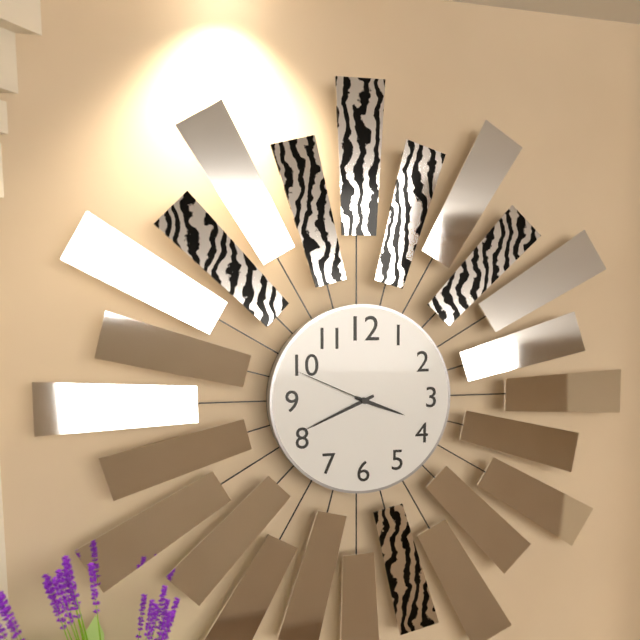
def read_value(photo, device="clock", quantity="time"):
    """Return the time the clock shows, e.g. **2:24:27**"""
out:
**3:41:49**
